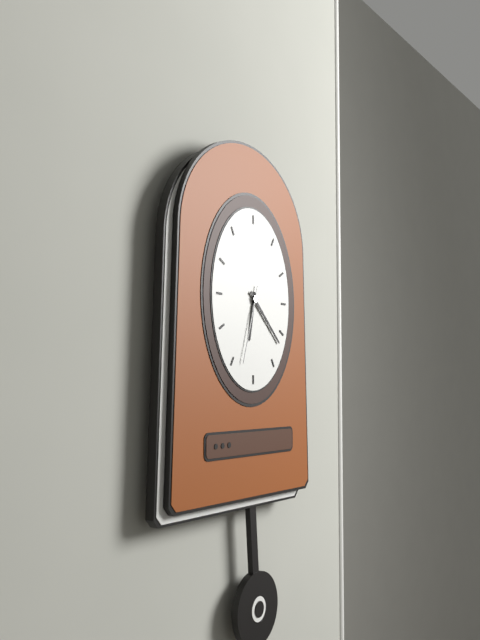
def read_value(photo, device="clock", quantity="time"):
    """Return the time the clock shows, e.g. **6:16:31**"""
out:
**6:22:33**
